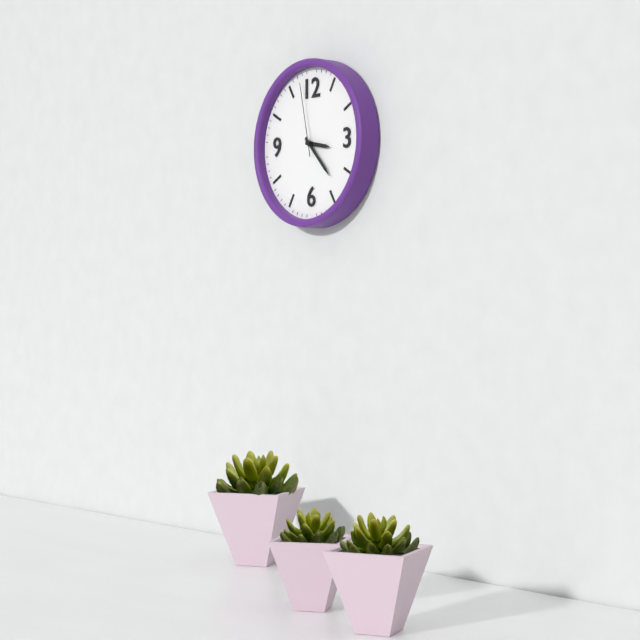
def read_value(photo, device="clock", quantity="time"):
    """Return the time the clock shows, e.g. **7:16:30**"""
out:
**3:23:58**
